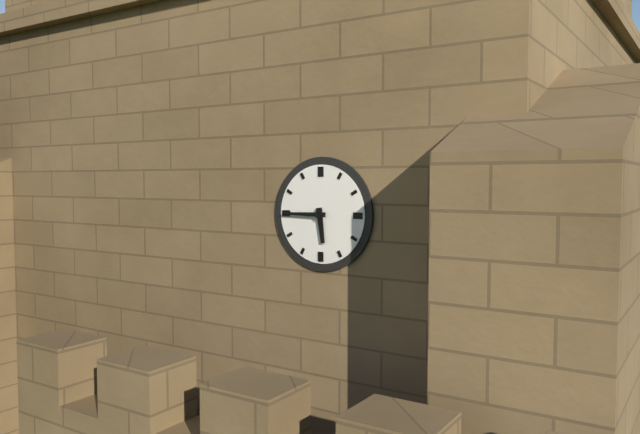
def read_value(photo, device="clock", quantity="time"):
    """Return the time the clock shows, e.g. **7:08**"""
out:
**5:45**
